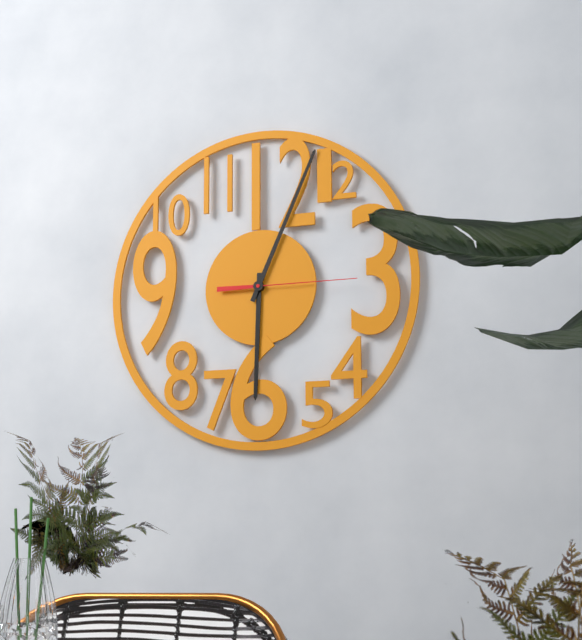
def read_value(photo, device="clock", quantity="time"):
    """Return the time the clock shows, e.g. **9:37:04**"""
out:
**6:04:15**
